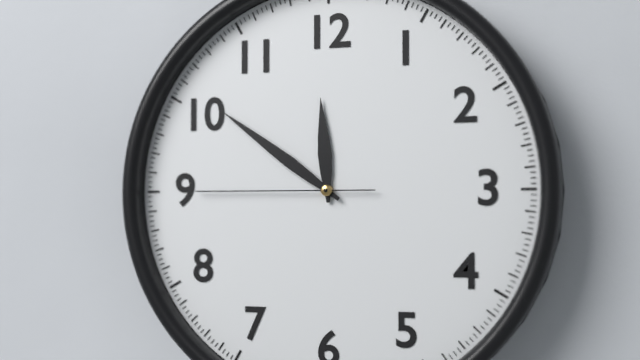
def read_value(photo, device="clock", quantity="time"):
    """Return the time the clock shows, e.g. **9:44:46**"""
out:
**11:51:45**
